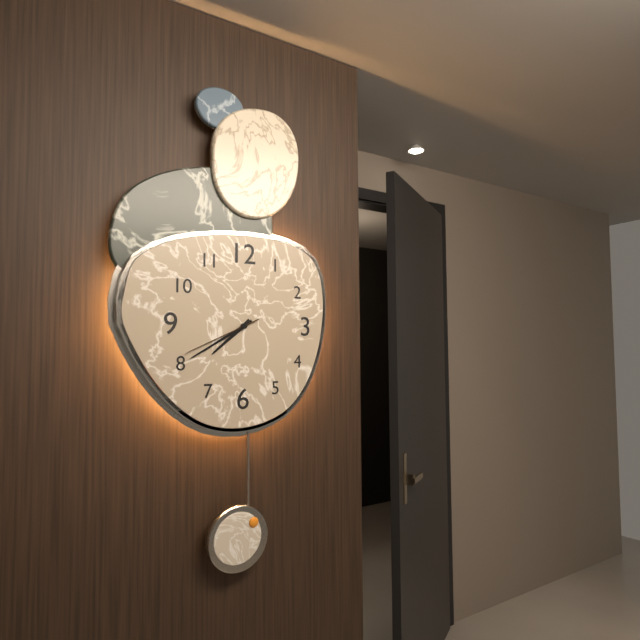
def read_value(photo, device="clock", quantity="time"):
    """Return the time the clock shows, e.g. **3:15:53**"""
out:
**7:40:41**
